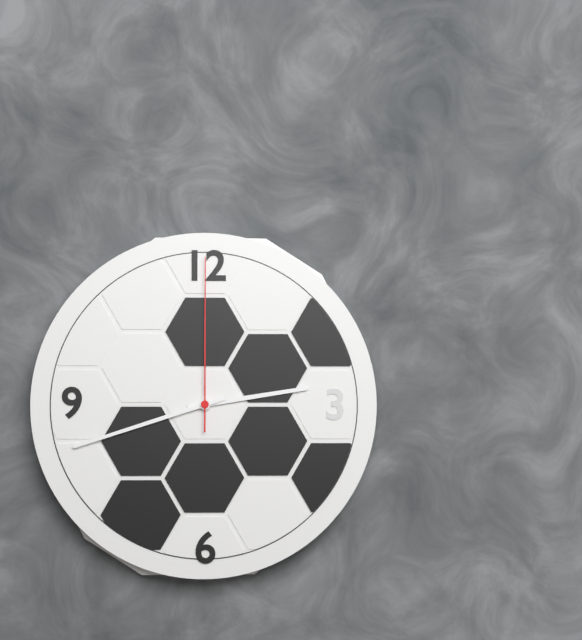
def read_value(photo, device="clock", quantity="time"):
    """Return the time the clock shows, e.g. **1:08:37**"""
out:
**2:42:00**
